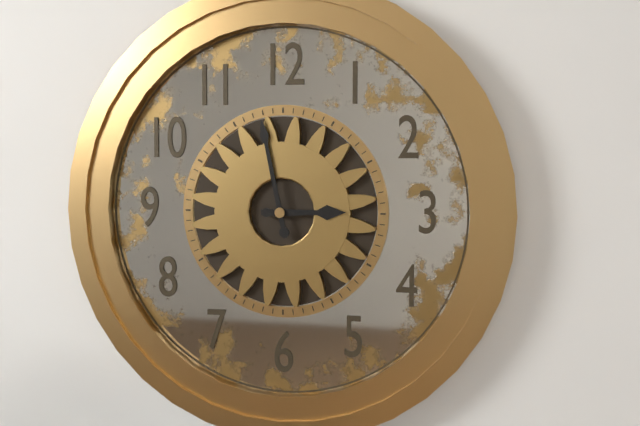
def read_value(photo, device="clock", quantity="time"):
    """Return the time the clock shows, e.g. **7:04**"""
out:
**2:58**
